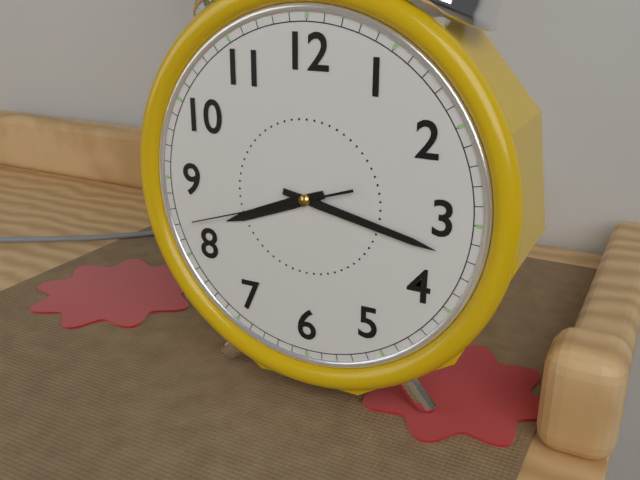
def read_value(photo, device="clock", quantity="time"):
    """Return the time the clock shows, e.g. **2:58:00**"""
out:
**8:17:42**
